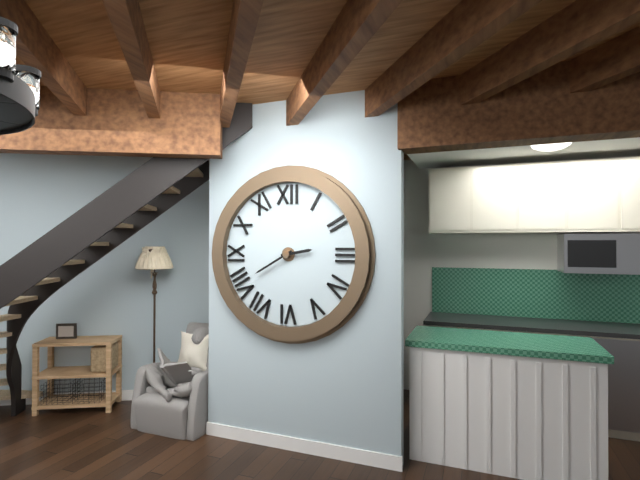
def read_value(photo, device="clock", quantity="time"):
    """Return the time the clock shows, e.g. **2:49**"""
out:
**2:40**
